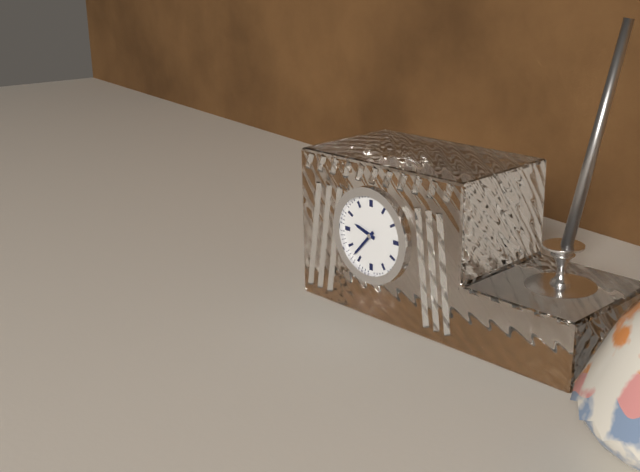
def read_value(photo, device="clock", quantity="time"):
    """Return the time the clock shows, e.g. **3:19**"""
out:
**9:37**
